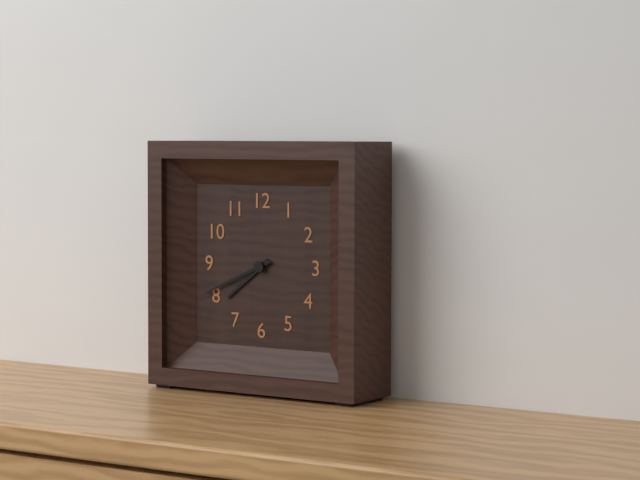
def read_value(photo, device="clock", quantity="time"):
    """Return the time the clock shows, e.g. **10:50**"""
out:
**7:41**
